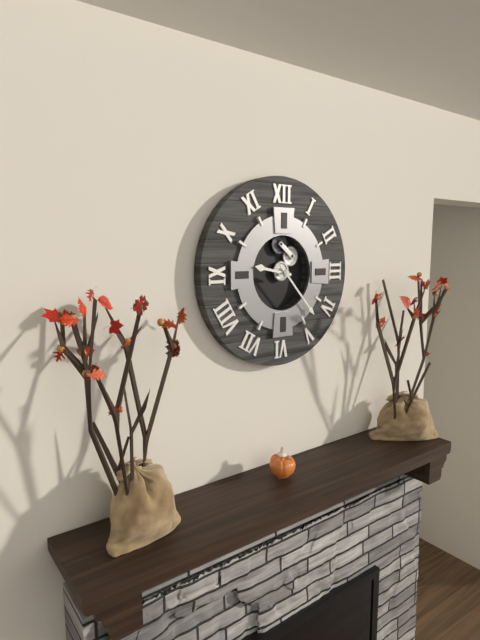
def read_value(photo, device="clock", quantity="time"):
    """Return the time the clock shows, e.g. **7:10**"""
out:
**9:23**
